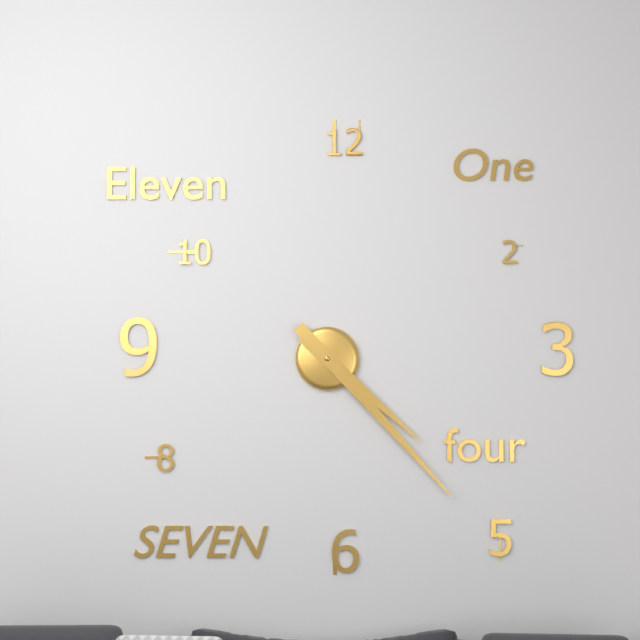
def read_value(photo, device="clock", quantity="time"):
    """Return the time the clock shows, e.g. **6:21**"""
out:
**4:23**
